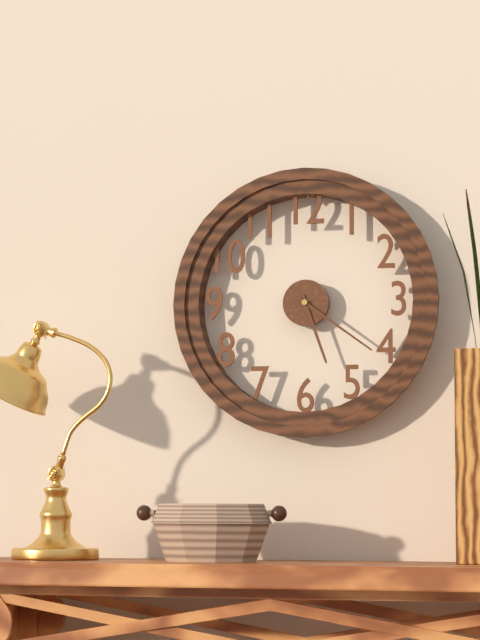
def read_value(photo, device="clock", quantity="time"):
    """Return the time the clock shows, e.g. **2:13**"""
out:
**5:21**
